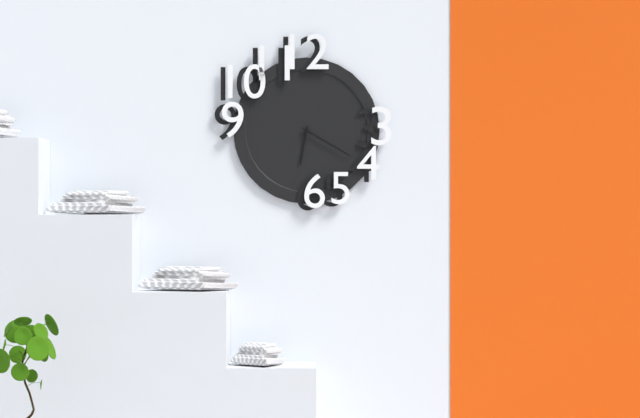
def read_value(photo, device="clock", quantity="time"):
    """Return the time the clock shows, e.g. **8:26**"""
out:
**6:20**
